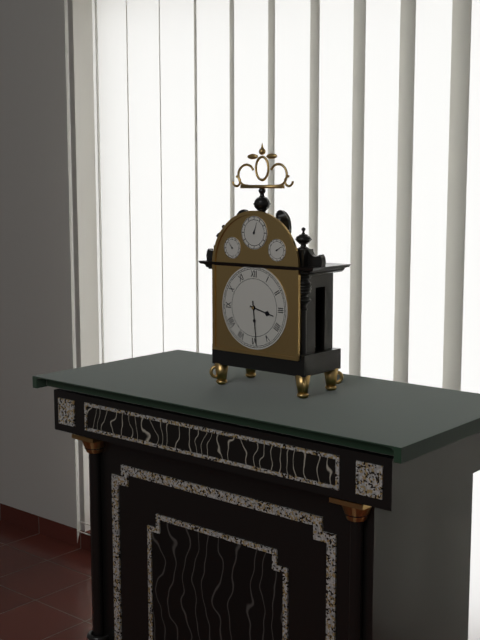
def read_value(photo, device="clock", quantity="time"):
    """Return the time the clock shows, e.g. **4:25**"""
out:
**3:29**
